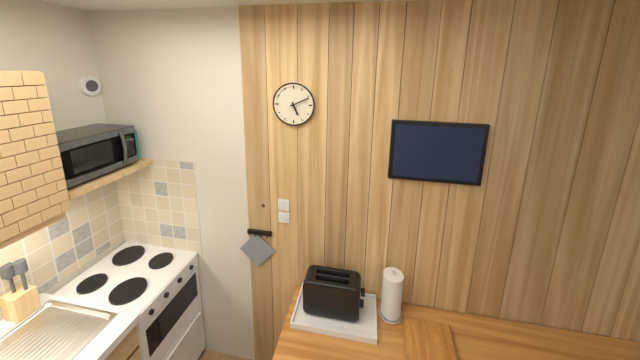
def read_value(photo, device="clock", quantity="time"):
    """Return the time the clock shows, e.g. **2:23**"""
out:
**5:11**
